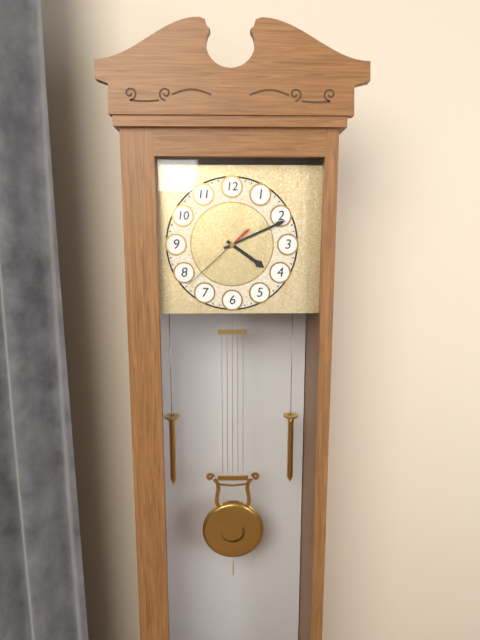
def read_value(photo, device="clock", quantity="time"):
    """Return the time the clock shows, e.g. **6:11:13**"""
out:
**4:11:38**
